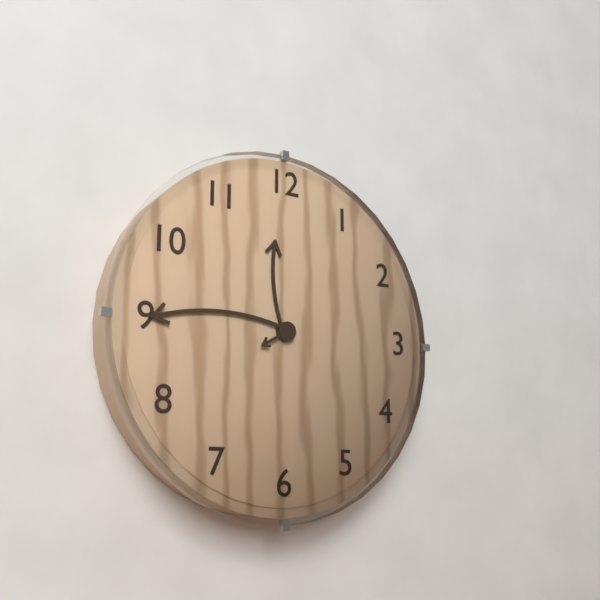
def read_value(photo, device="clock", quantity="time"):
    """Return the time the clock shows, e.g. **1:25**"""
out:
**11:45**
